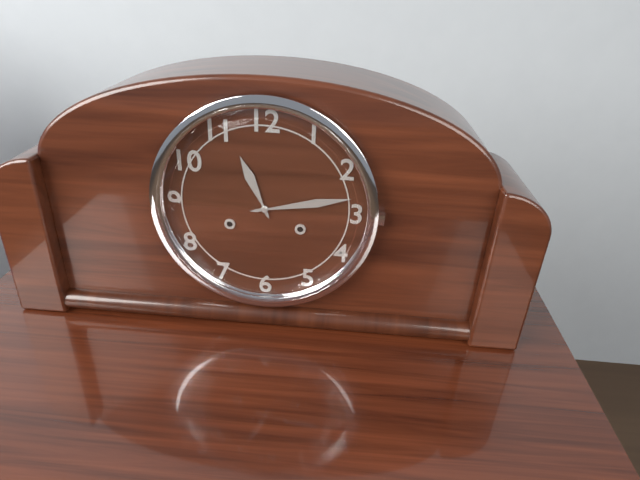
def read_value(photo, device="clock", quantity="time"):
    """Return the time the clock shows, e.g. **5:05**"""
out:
**11:13**
